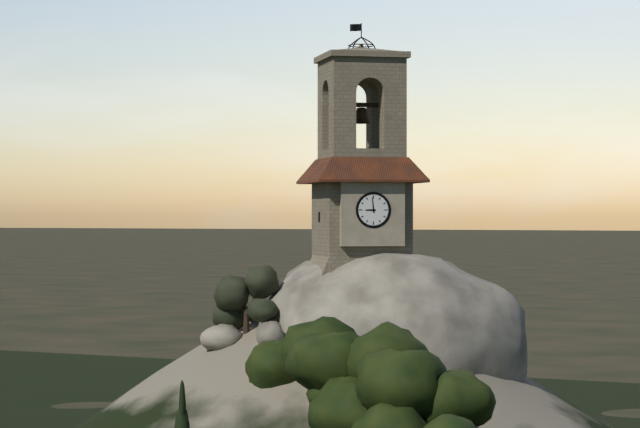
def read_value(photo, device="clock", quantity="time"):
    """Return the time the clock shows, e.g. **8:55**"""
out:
**8:59**
